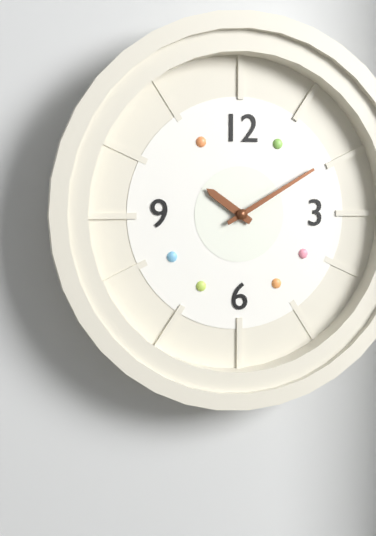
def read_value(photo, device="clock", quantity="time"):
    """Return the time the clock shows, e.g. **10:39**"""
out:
**10:10**
